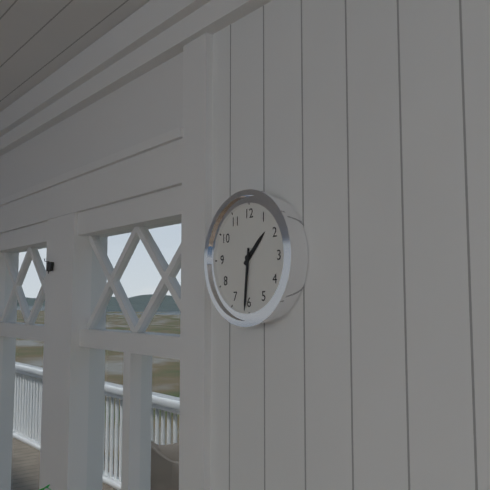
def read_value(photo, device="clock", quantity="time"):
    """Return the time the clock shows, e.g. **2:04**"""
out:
**1:31**
